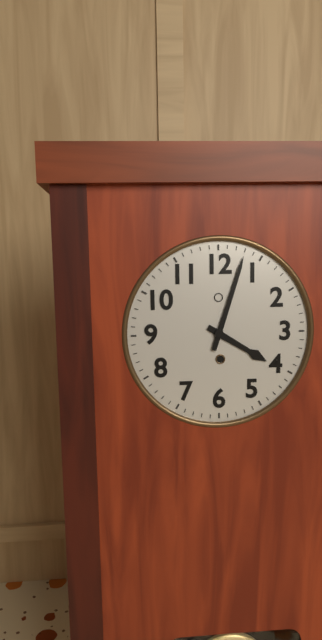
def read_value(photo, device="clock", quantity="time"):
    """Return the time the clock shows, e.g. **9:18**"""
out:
**4:03**
